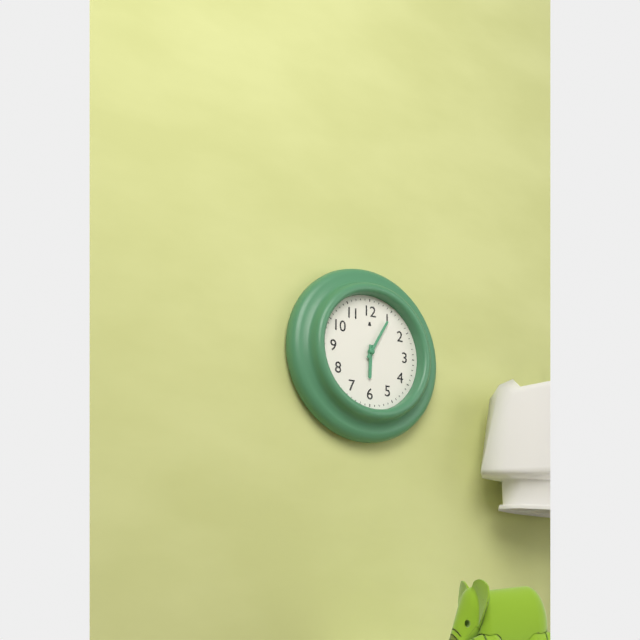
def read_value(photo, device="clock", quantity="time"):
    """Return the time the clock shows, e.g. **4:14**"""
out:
**6:05**
